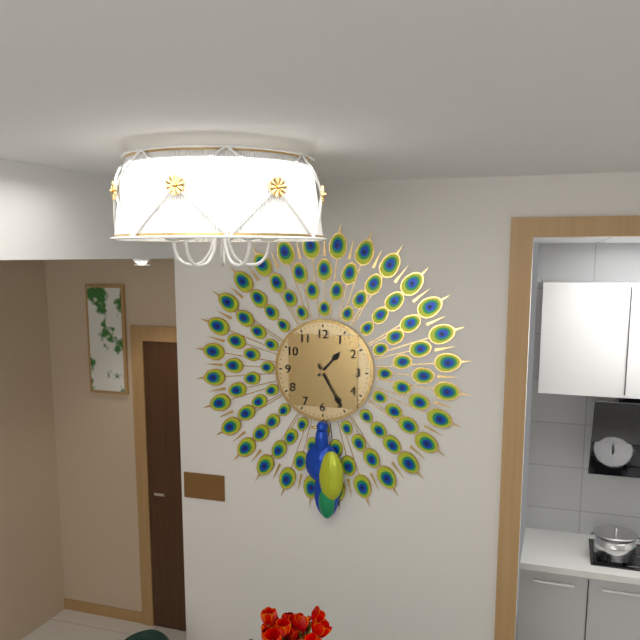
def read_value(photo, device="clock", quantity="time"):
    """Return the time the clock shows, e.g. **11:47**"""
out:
**1:25**
